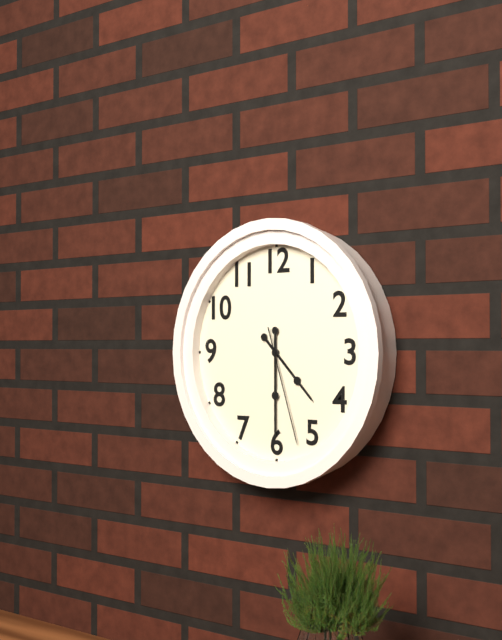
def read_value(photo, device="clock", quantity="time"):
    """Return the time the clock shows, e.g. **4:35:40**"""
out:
**4:30:27**
